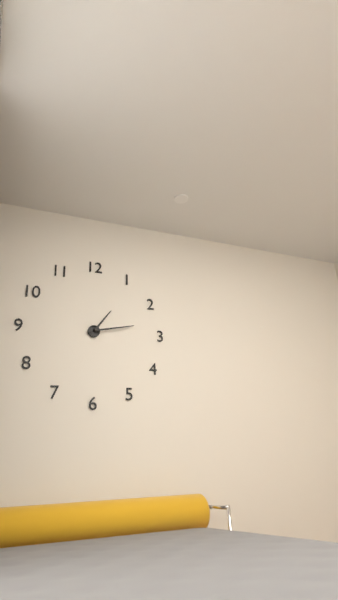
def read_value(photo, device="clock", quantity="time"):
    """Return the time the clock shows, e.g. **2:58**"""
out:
**1:13**
